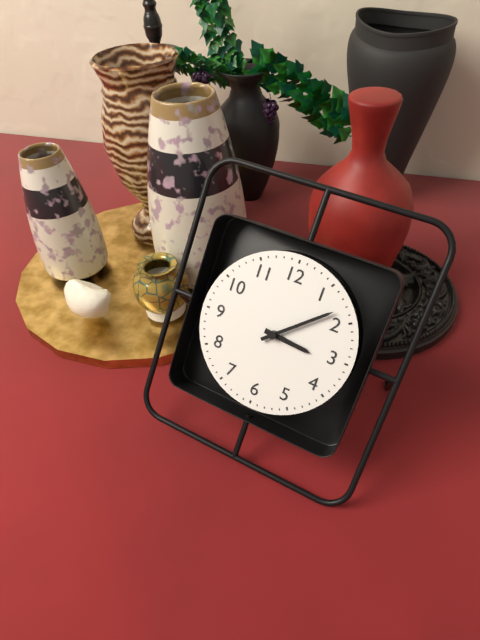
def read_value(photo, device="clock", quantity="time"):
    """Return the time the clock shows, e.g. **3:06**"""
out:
**3:08**
